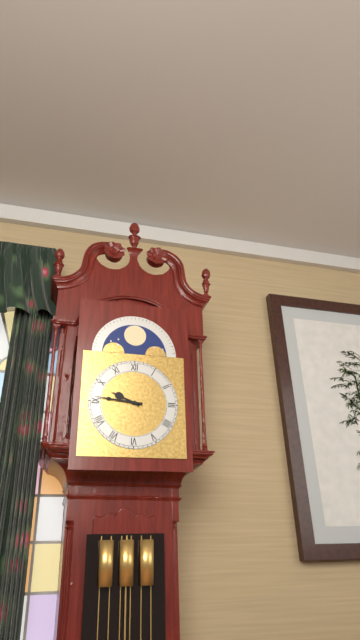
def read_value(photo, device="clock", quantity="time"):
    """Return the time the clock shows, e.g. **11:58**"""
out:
**9:46**
